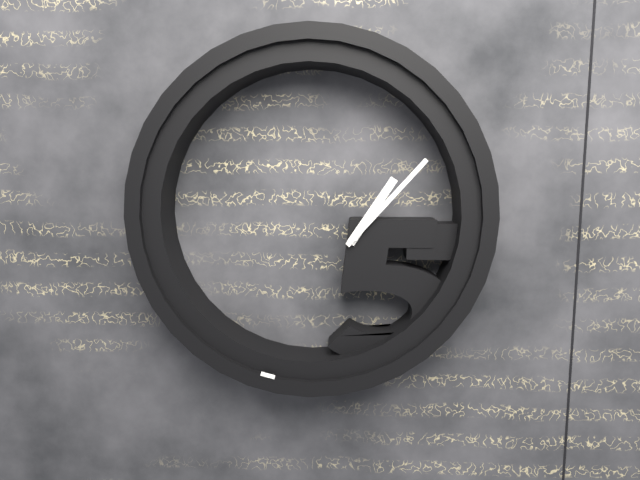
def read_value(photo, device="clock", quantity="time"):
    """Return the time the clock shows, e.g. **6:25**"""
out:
**1:07**
